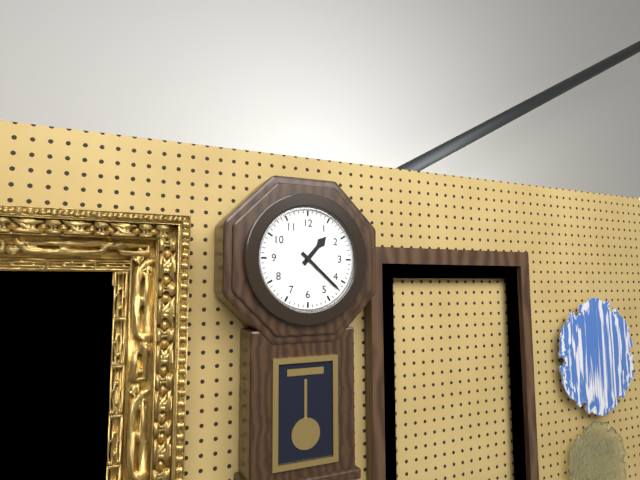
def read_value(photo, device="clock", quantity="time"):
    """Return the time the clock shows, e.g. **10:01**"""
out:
**1:22**
